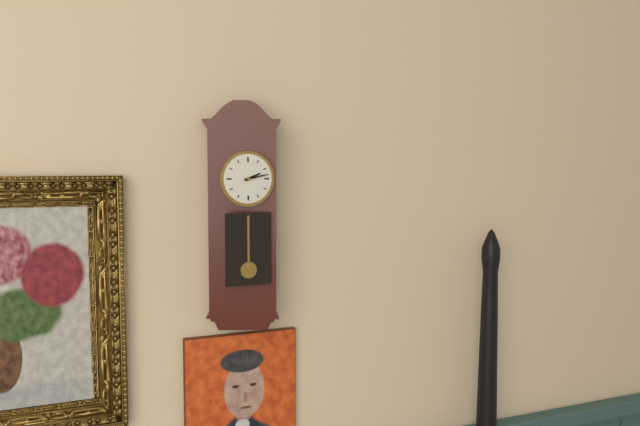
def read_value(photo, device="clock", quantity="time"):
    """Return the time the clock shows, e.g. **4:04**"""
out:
**2:13**
